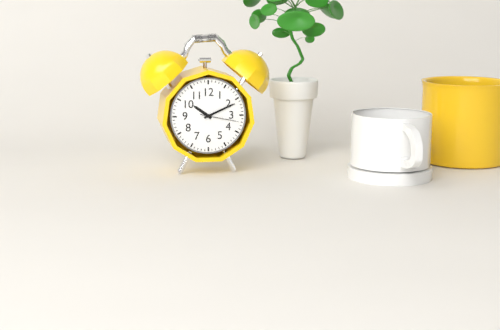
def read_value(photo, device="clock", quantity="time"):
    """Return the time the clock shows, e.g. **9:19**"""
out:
**10:11**
